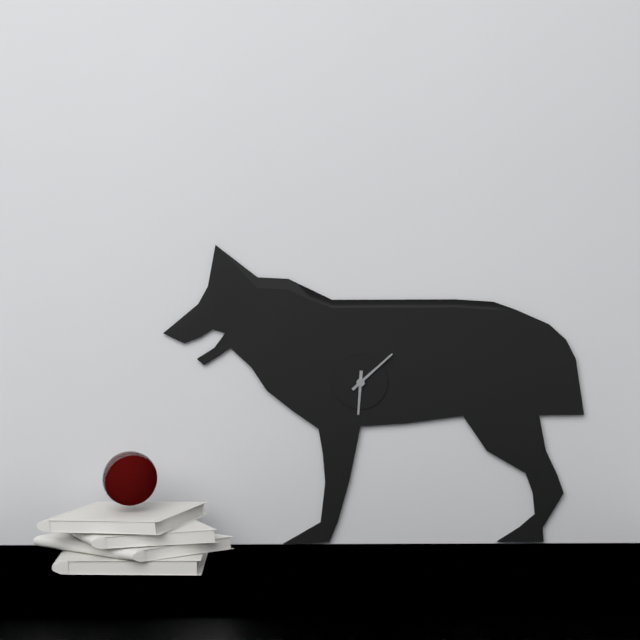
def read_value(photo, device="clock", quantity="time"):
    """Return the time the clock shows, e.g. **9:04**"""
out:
**6:08**
